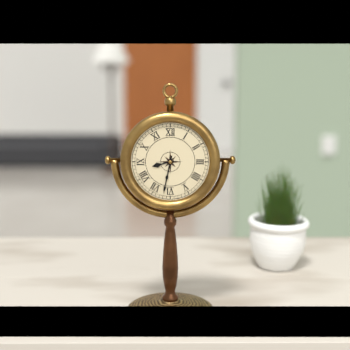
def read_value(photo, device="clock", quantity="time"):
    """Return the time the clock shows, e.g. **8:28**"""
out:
**8:32**
